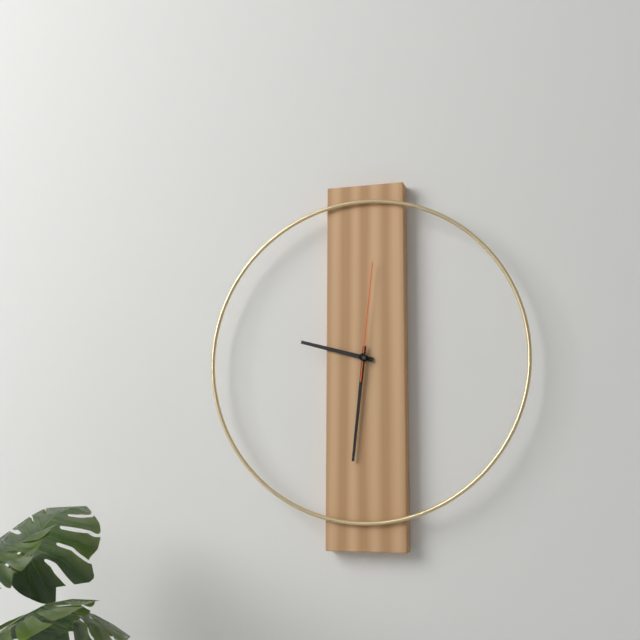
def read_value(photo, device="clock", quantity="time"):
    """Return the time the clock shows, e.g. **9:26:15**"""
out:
**9:31:01**
